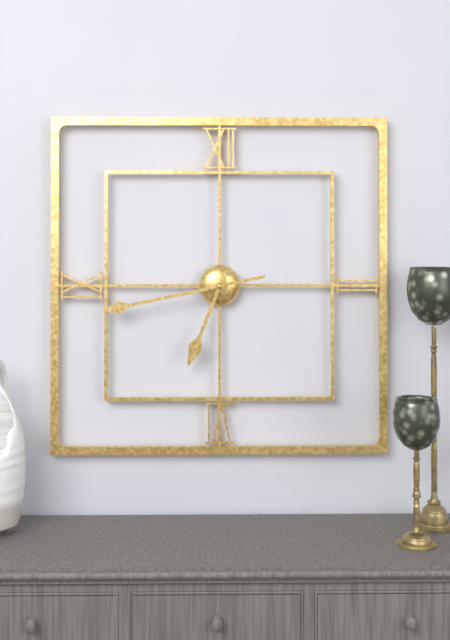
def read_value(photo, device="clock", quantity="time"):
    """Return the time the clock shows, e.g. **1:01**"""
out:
**6:43**
